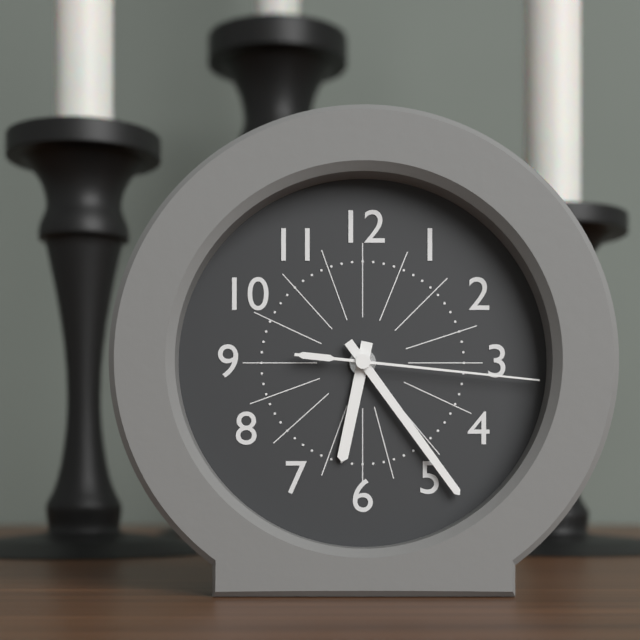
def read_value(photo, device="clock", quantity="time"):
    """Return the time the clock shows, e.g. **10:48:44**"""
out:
**6:24:16**
